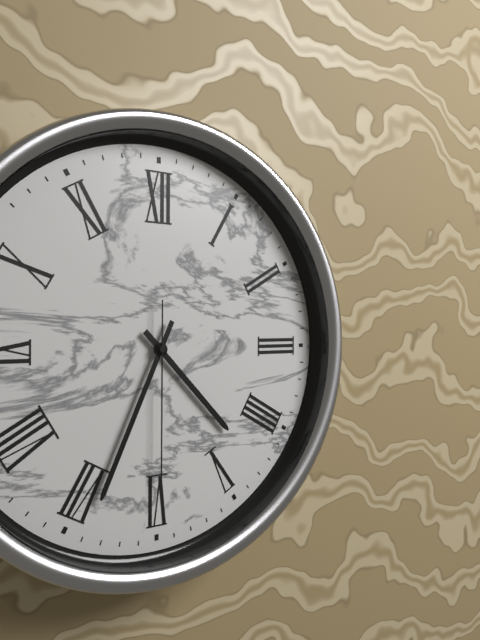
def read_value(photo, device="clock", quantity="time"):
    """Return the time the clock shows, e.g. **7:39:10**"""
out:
**4:34:30**
